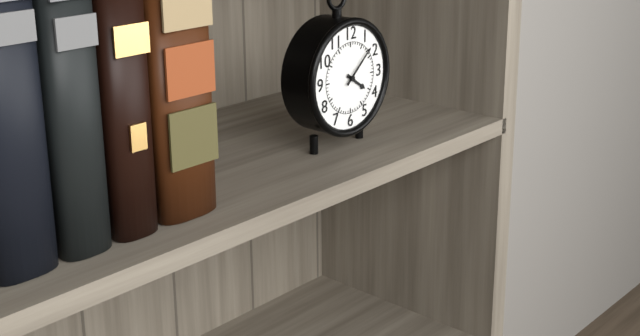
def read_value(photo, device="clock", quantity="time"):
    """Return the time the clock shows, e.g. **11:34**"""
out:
**4:08**
